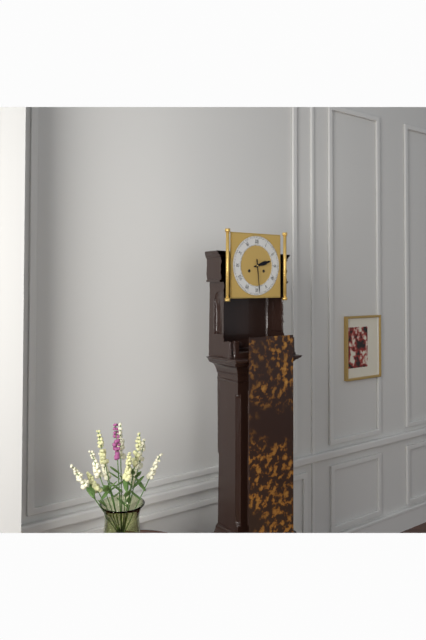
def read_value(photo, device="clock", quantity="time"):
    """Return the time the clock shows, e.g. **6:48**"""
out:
**2:29**
